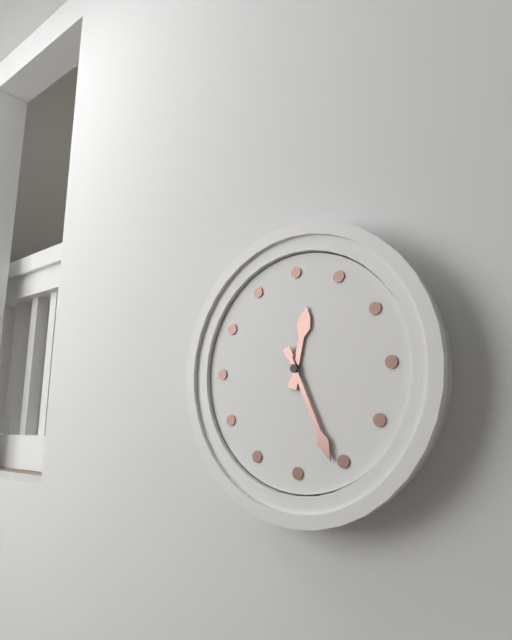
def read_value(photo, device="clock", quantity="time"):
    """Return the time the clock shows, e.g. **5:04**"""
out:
**12:26**
